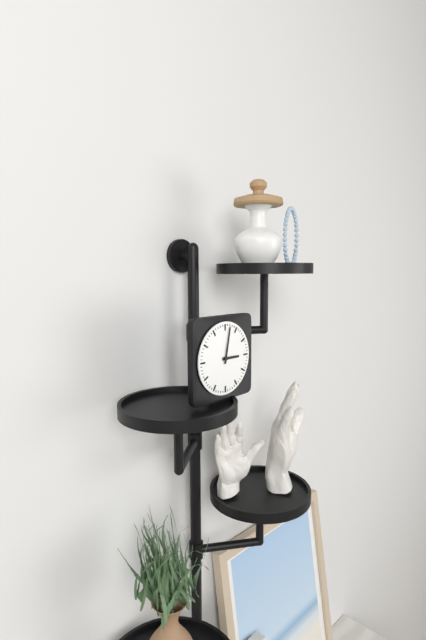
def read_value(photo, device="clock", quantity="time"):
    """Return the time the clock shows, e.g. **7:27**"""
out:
**3:02**
